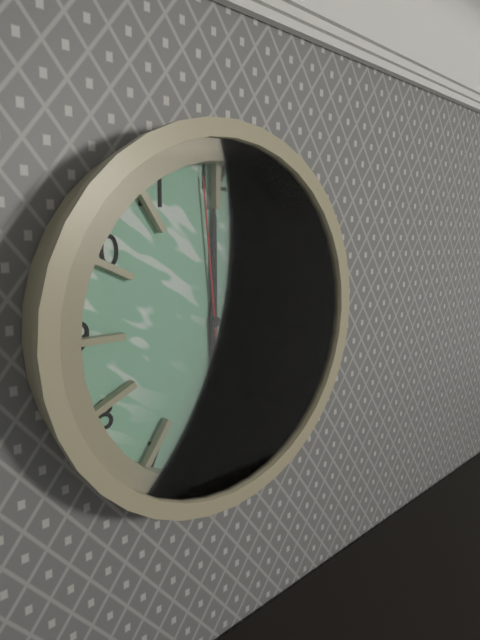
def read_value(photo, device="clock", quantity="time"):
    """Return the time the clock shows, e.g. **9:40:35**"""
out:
**6:00:59**
